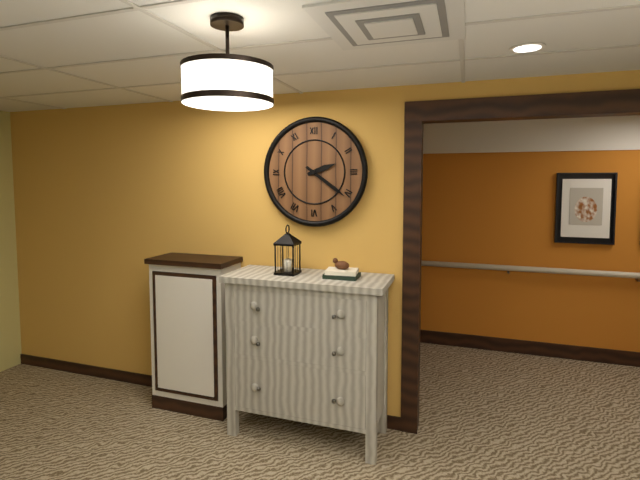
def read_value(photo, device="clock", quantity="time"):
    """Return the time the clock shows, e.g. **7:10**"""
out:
**2:21**
